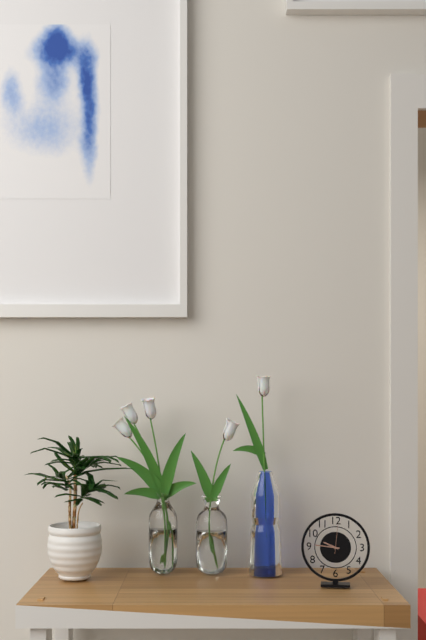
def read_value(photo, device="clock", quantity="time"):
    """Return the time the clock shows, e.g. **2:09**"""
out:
**9:46**
